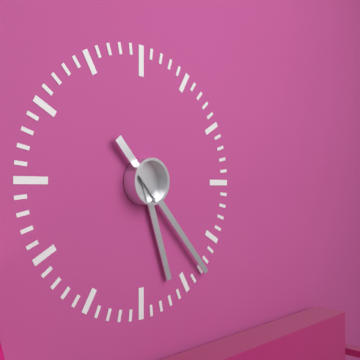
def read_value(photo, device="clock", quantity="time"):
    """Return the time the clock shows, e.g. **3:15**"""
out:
**5:23**
